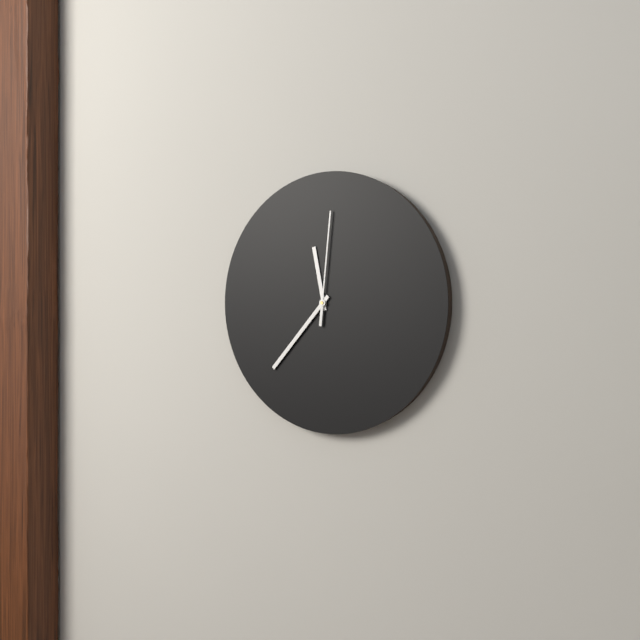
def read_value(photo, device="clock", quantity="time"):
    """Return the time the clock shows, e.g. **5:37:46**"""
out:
**11:37:01**
